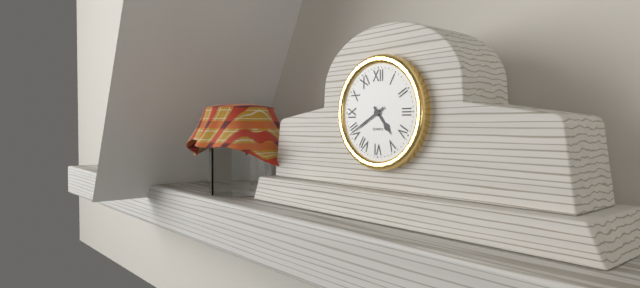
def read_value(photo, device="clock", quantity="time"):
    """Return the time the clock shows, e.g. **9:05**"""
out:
**4:40**
